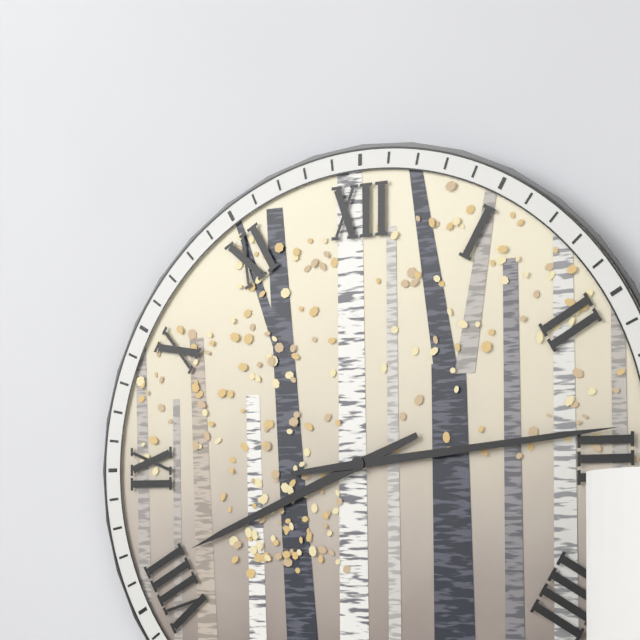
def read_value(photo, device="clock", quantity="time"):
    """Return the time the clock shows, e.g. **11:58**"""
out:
**8:14**
